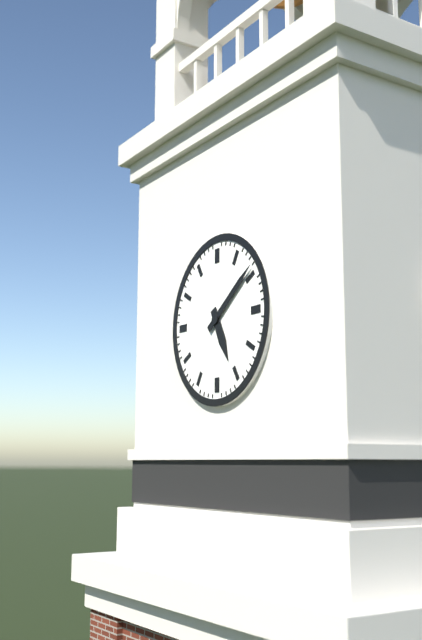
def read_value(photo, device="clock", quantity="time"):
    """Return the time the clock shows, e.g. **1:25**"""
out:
**5:09**
